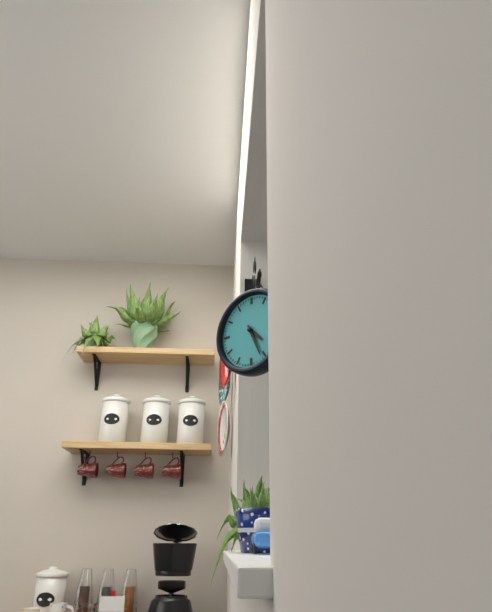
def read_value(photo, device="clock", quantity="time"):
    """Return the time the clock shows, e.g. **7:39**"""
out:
**4:26**
